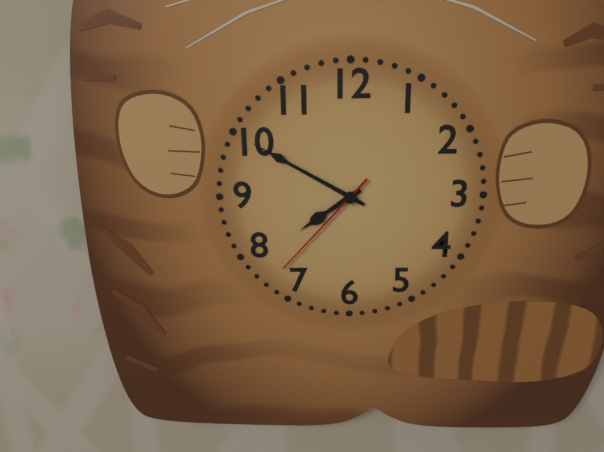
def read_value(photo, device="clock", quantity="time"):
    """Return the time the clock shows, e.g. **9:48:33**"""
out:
**7:50:37**
